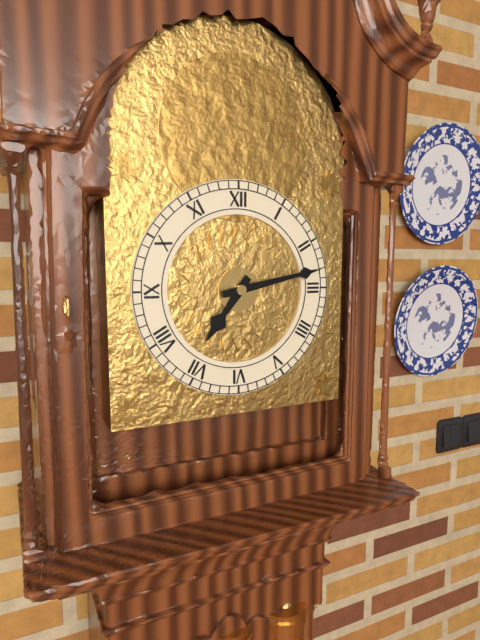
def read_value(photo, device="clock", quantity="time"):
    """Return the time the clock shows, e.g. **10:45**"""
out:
**7:13**
